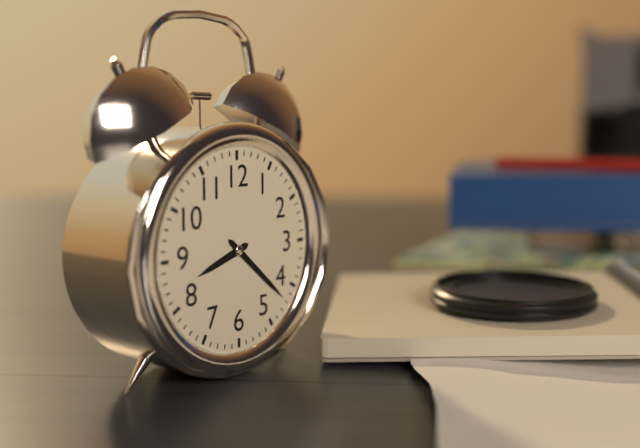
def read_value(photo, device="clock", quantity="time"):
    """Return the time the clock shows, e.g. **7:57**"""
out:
**8:22**
